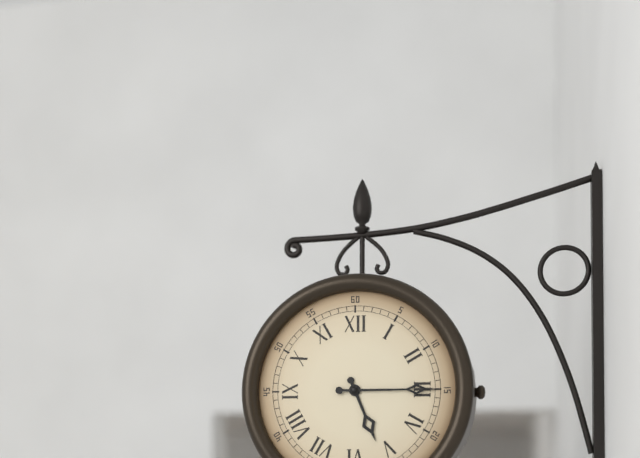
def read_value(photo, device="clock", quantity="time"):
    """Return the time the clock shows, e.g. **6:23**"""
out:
**5:15**
